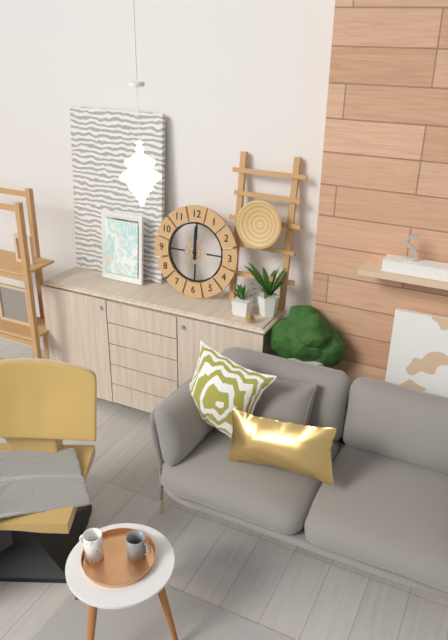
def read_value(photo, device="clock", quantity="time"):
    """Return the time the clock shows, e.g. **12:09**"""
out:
**12:00**
